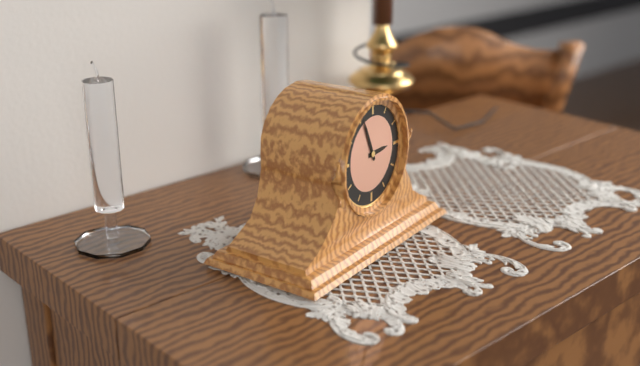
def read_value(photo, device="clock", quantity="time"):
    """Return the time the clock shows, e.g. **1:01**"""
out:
**2:56**
